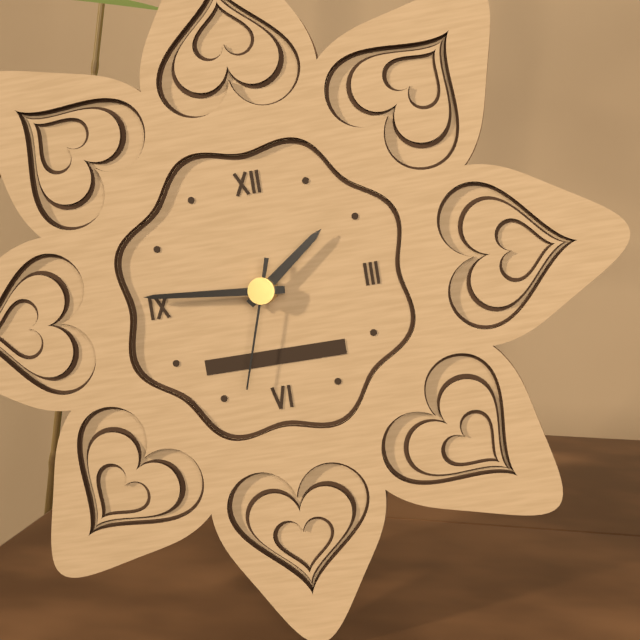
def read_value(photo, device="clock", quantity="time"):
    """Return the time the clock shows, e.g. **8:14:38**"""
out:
**1:46:33**
